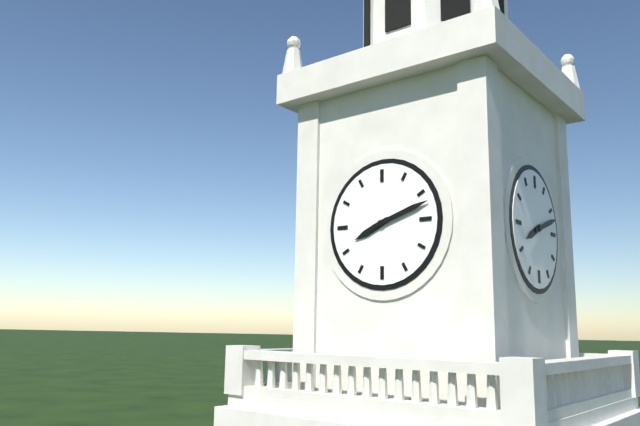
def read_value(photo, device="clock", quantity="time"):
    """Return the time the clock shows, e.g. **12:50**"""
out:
**8:12**
